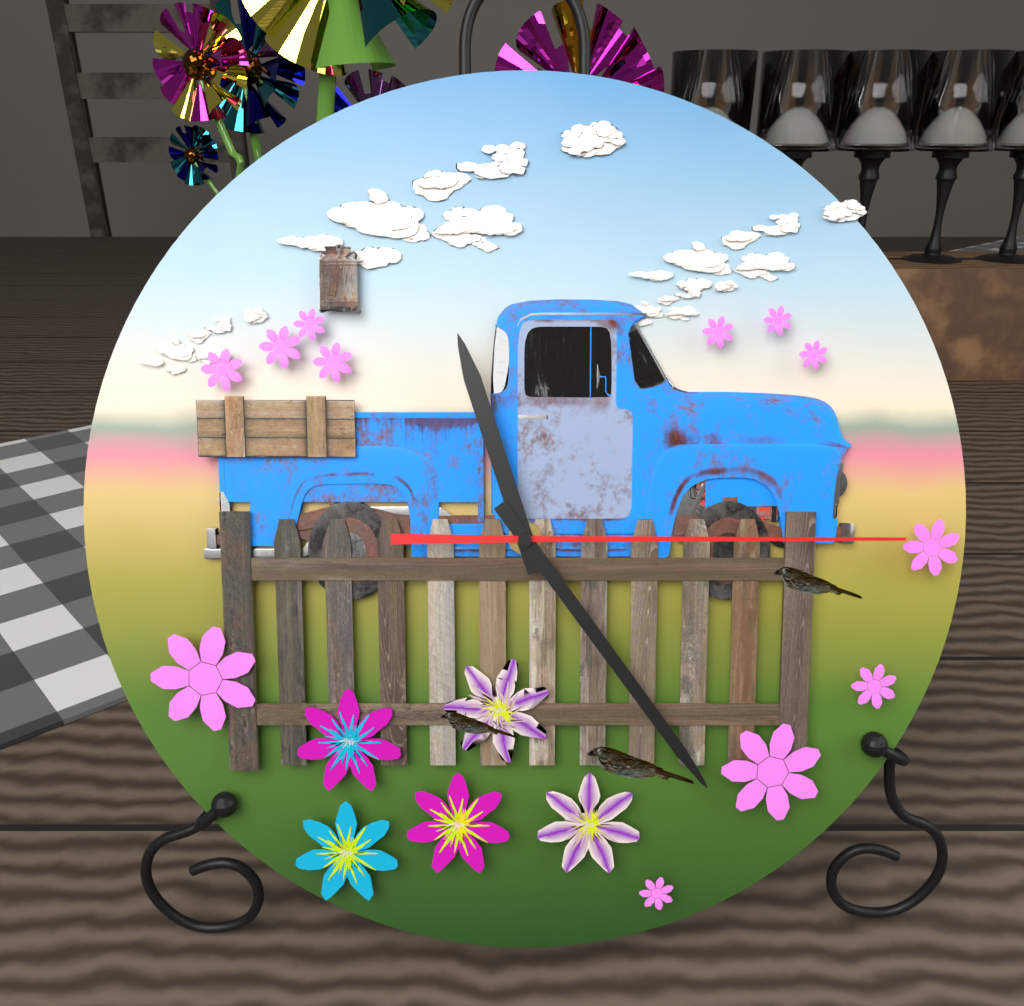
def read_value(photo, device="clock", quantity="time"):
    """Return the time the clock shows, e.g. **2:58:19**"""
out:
**11:24:15**
